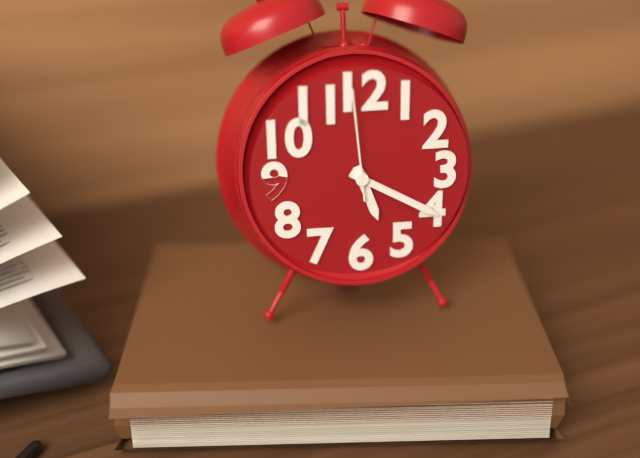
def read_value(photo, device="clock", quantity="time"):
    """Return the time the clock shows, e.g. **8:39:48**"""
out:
**5:20:59**
